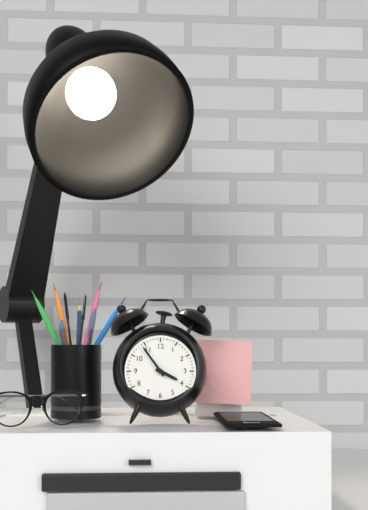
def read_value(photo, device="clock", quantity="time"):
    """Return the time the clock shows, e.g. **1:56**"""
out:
**3:54**
